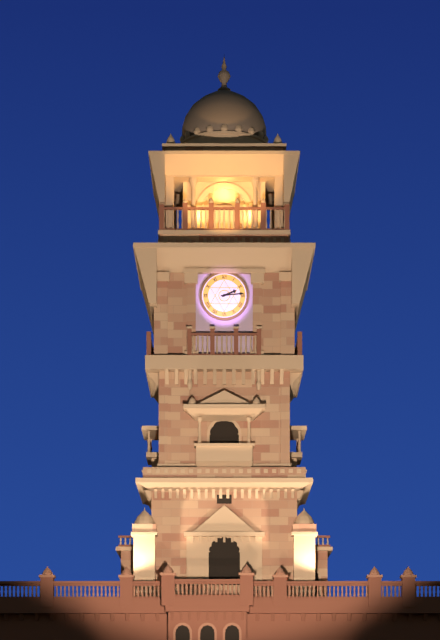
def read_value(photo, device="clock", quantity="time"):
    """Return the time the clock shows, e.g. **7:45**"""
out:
**2:14**
